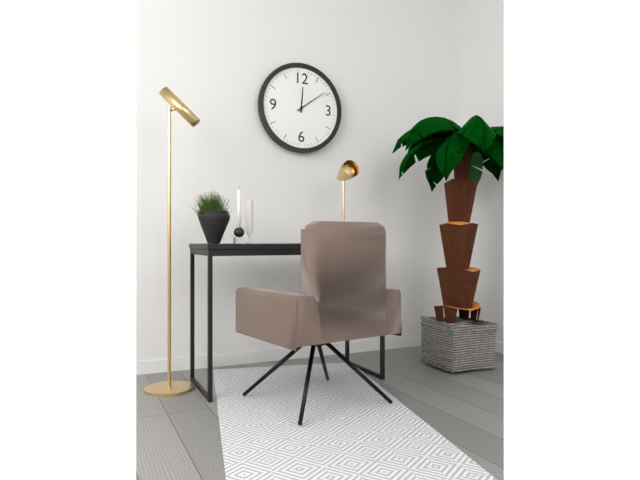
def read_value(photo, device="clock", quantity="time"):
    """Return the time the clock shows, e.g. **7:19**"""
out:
**12:09**
